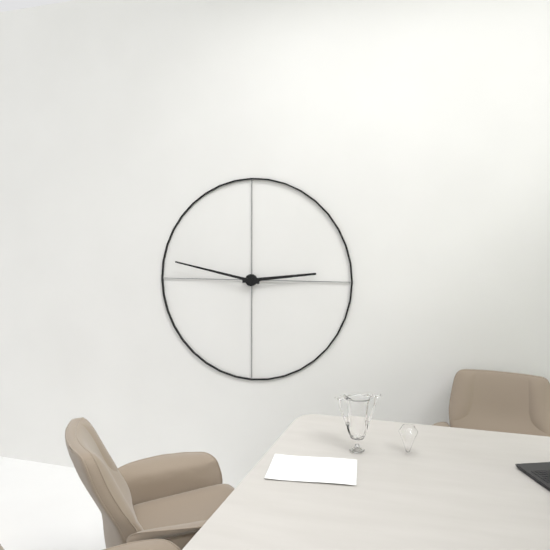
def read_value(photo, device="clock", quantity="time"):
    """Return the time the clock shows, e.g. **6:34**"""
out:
**2:47**
